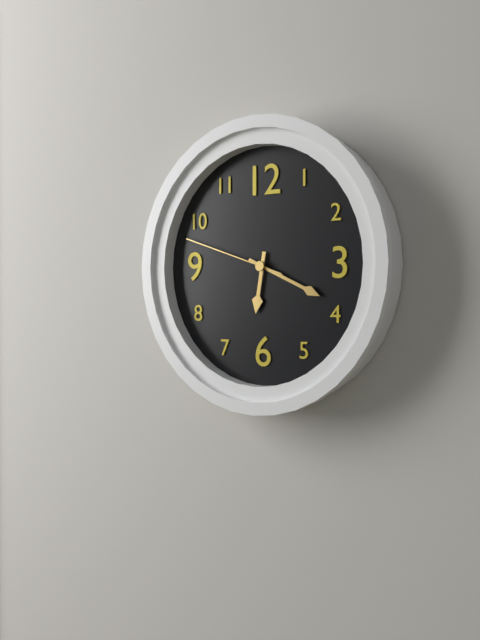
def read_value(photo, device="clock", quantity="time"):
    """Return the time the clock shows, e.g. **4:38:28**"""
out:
**6:19:48**
